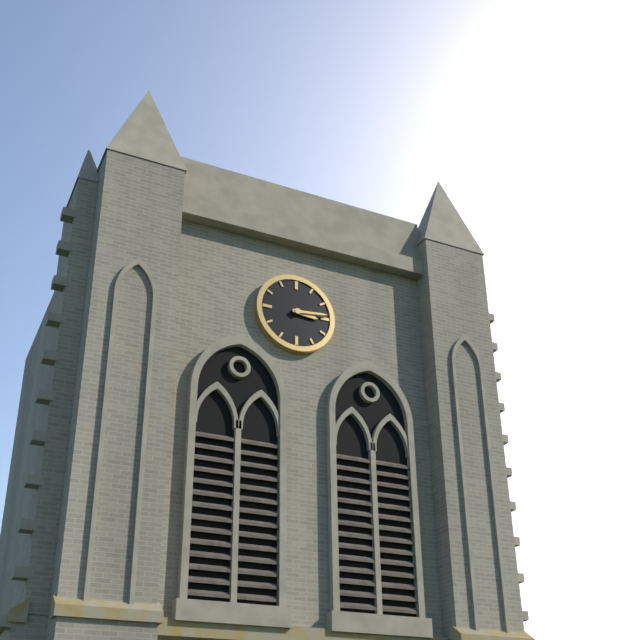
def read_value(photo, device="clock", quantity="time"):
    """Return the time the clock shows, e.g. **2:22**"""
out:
**3:14**
